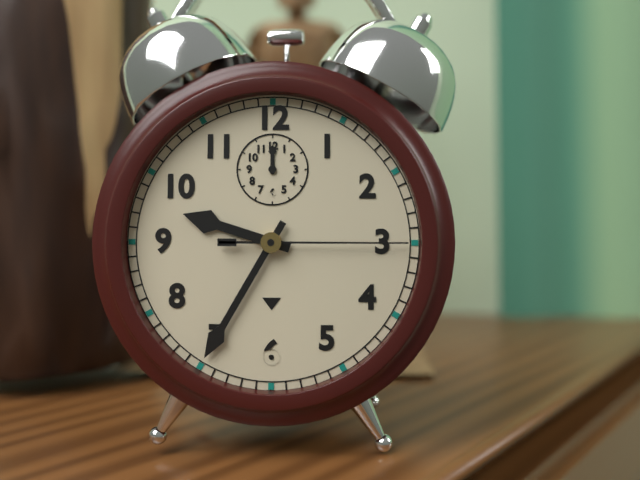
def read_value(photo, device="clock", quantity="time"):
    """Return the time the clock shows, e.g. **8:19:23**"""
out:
**9:35:15**
